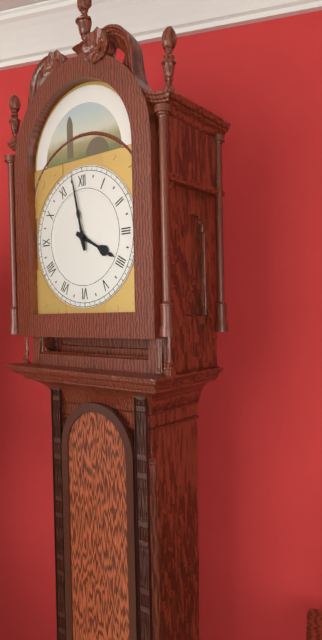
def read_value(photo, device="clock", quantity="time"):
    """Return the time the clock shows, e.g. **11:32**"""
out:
**3:58**
